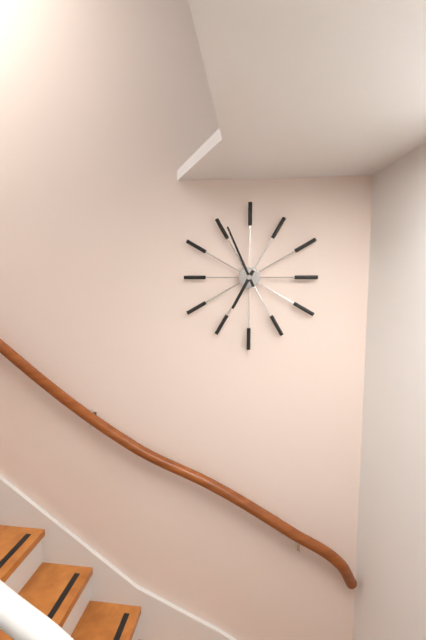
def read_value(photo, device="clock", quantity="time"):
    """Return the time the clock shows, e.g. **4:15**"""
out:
**6:56**
